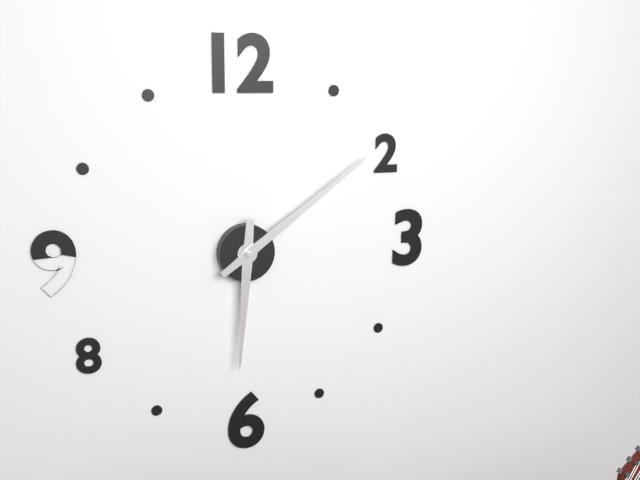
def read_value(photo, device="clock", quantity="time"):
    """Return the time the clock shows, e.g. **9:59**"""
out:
**6:09**
